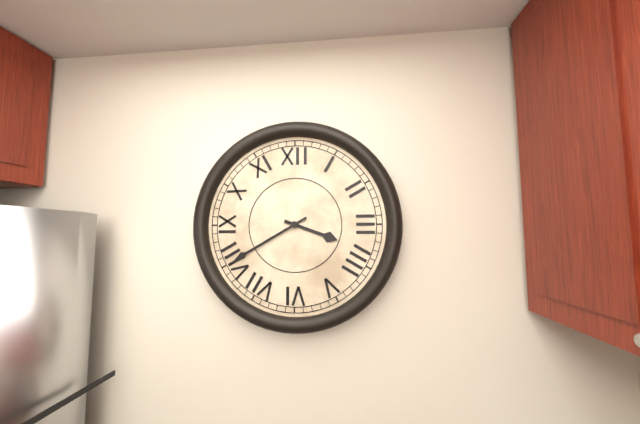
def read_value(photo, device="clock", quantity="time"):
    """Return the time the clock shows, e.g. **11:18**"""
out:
**3:40**
